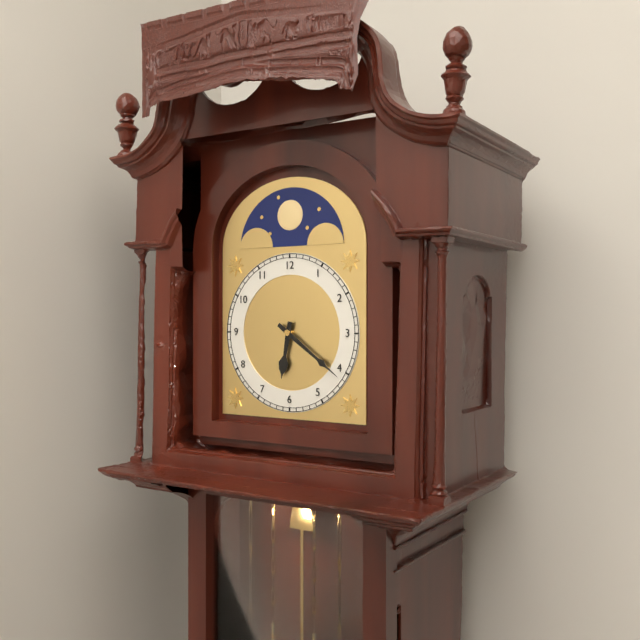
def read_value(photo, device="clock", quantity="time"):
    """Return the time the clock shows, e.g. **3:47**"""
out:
**6:21**
